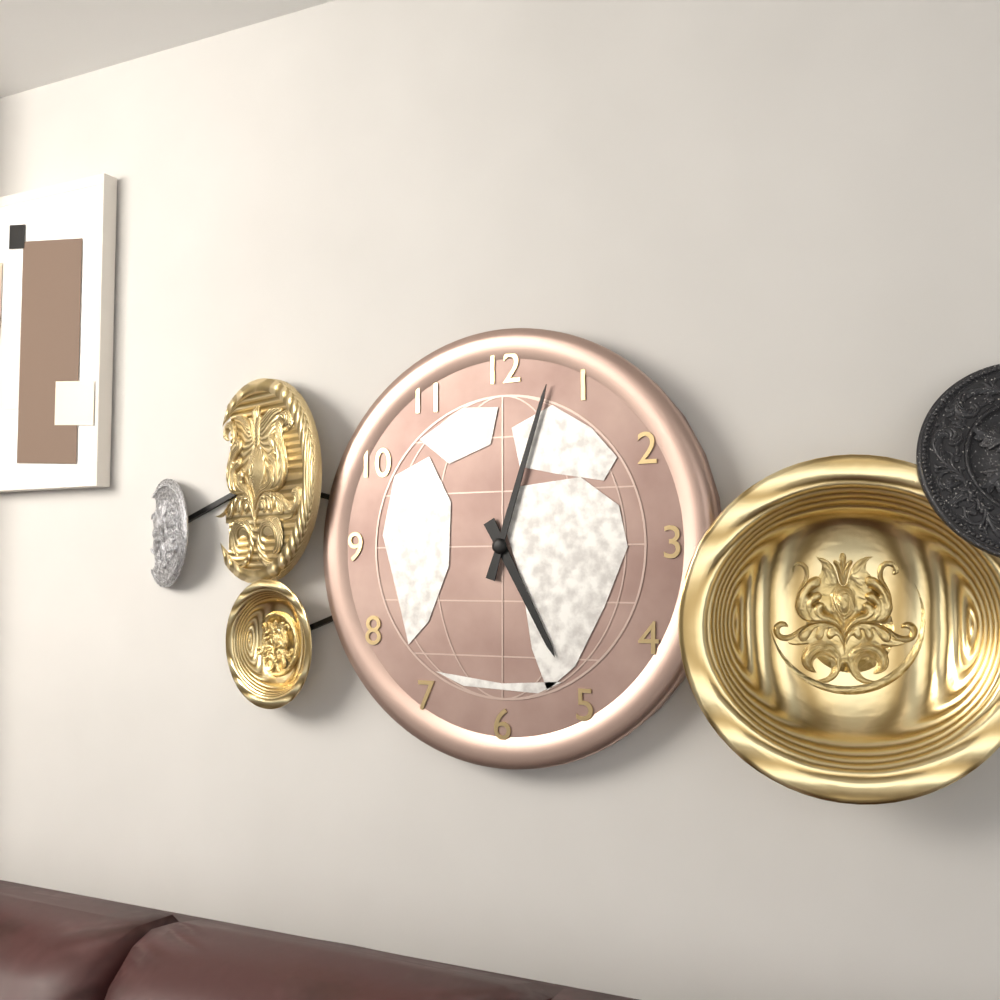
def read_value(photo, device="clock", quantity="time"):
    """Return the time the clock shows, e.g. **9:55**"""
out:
**5:03**
